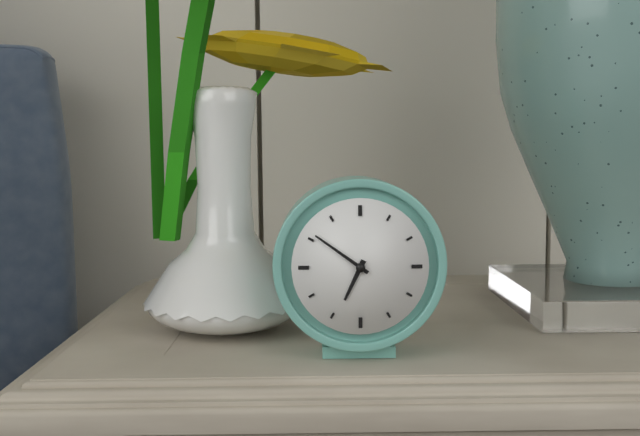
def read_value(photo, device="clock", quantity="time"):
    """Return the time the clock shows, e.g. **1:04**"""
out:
**6:51**
